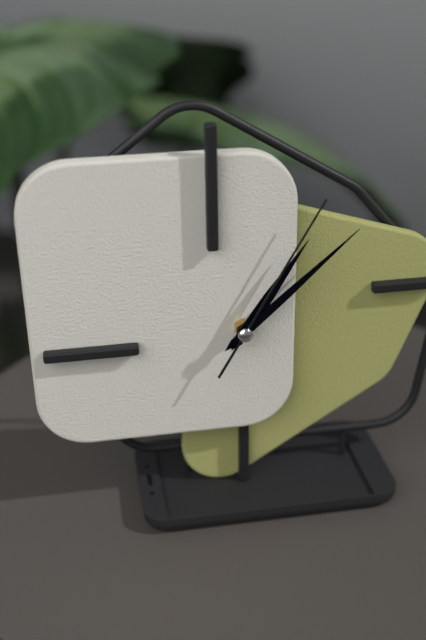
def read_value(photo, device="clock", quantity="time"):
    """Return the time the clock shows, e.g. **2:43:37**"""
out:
**1:08:05**
